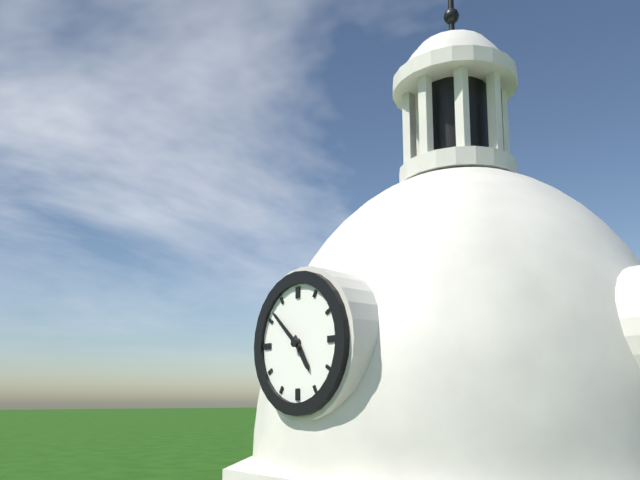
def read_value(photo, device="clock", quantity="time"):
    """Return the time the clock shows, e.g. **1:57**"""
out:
**4:52**
